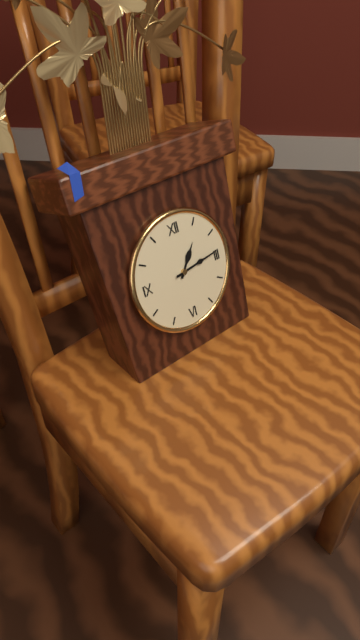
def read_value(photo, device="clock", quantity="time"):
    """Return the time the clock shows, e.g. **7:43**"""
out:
**1:14**
